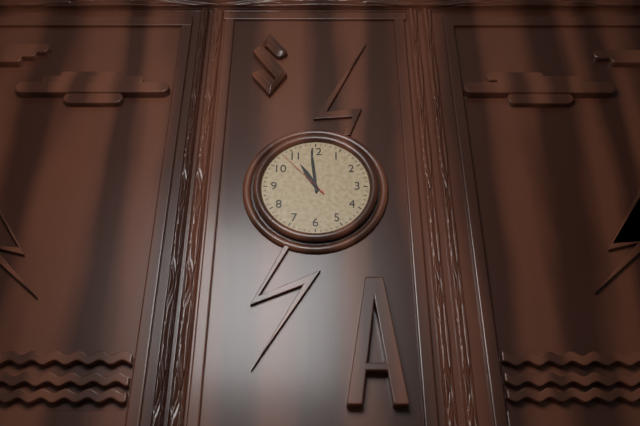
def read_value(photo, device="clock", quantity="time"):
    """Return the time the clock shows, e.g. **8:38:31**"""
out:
**10:59:53**
